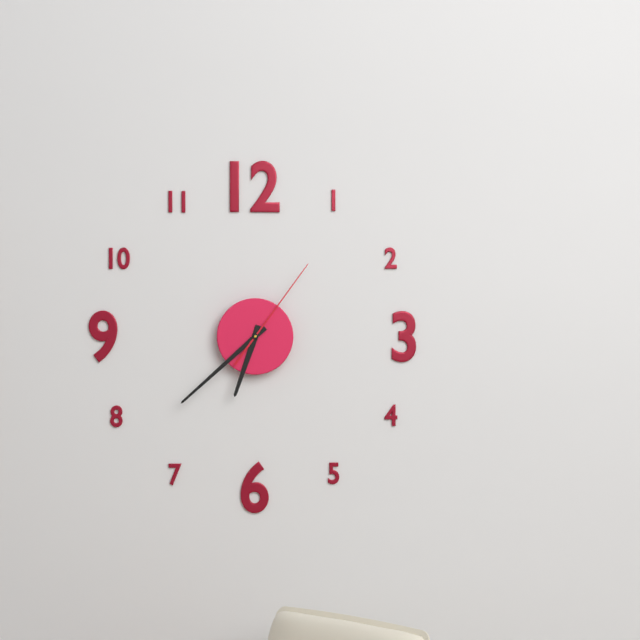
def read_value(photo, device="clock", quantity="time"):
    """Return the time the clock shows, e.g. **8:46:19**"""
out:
**6:38:06**
